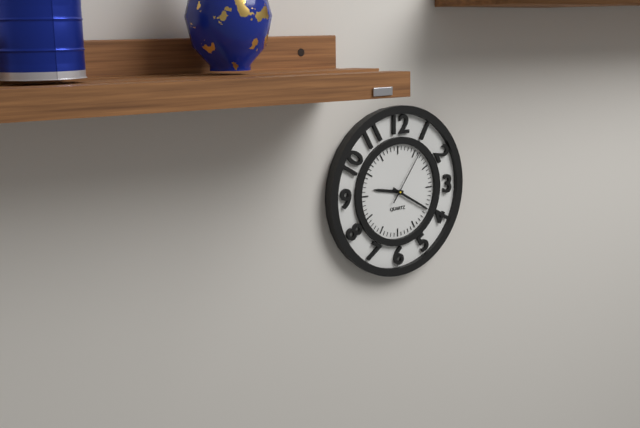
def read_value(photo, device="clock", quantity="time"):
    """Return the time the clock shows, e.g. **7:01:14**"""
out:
**9:20:06**
